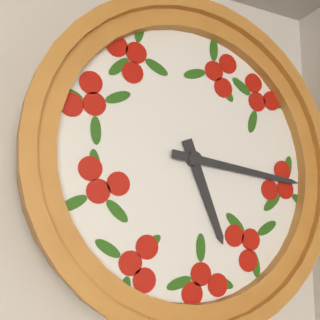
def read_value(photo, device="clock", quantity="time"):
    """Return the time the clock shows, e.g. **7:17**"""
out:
**5:16**
